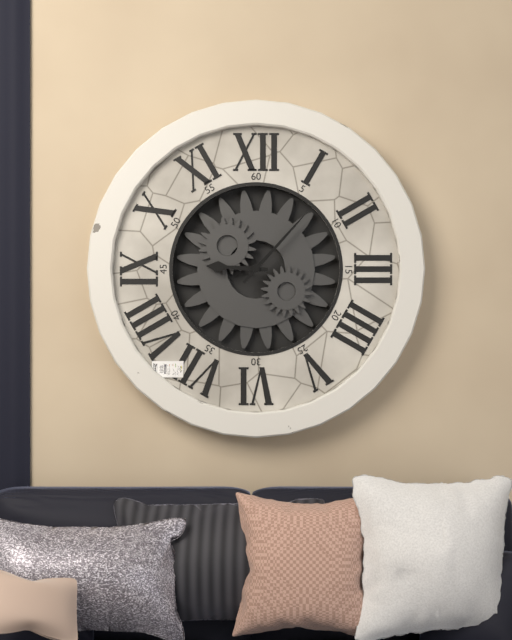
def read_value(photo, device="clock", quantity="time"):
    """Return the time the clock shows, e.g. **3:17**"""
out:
**9:07**
